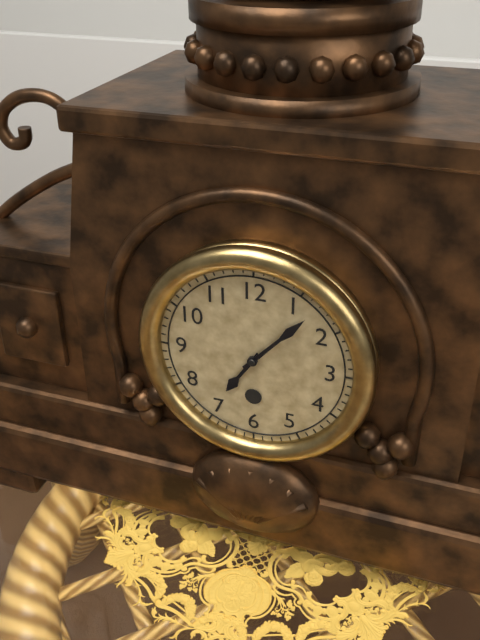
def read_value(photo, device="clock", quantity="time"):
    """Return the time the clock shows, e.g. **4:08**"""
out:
**7:07**
